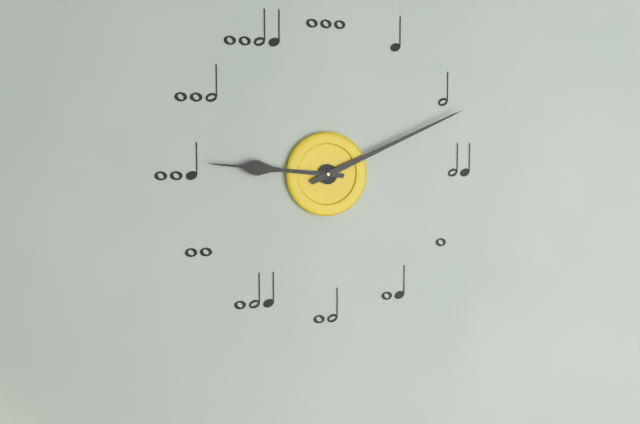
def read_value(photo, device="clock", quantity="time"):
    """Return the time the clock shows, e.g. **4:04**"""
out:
**9:11**
